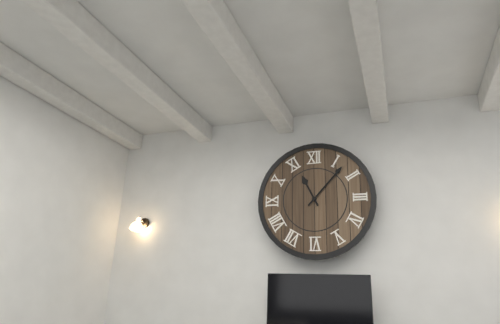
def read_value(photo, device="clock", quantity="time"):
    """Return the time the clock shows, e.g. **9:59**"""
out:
**11:07**
